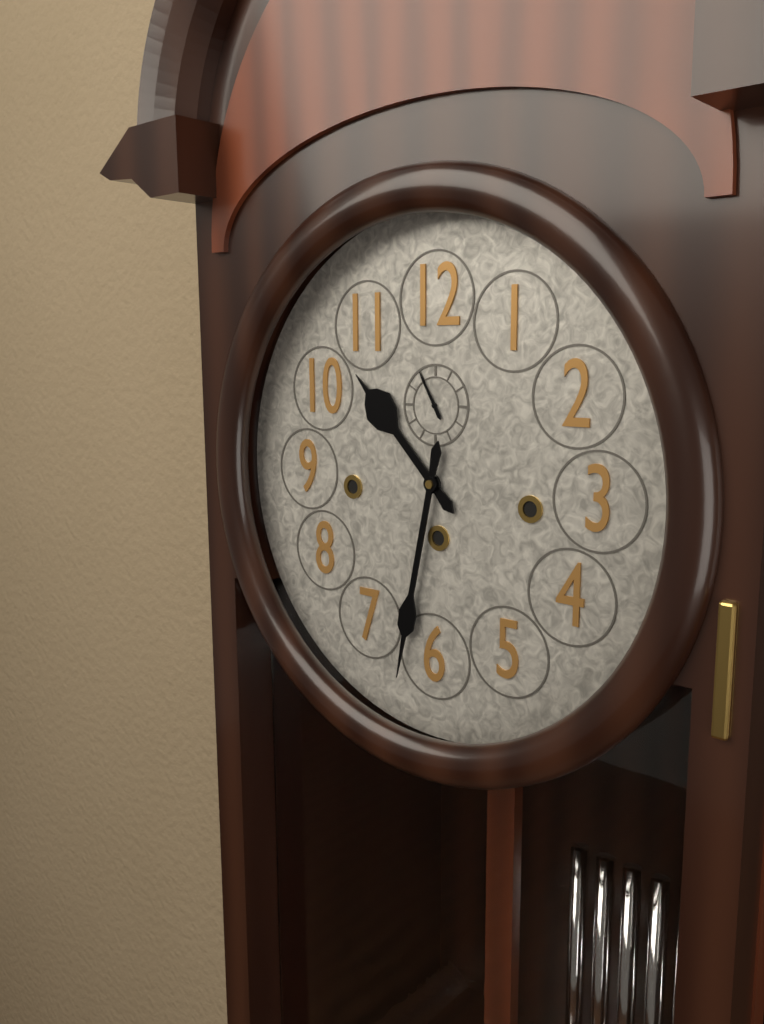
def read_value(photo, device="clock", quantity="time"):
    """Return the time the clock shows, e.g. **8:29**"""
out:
**10:32**
